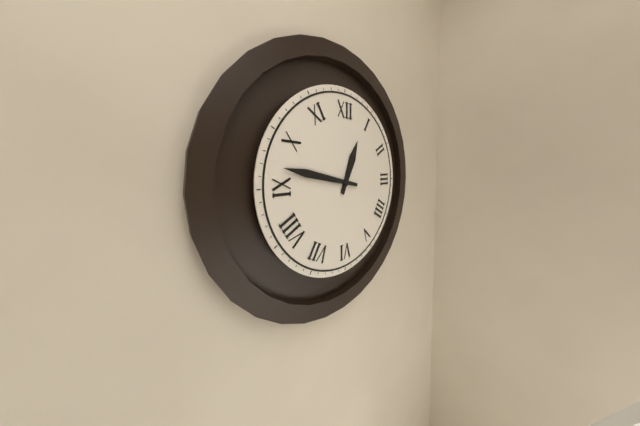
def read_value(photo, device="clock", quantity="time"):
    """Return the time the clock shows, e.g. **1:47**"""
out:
**12:47**
